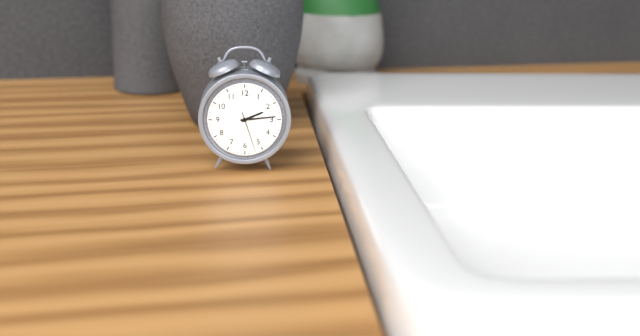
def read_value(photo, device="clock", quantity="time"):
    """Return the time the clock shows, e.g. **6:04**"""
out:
**2:14**
